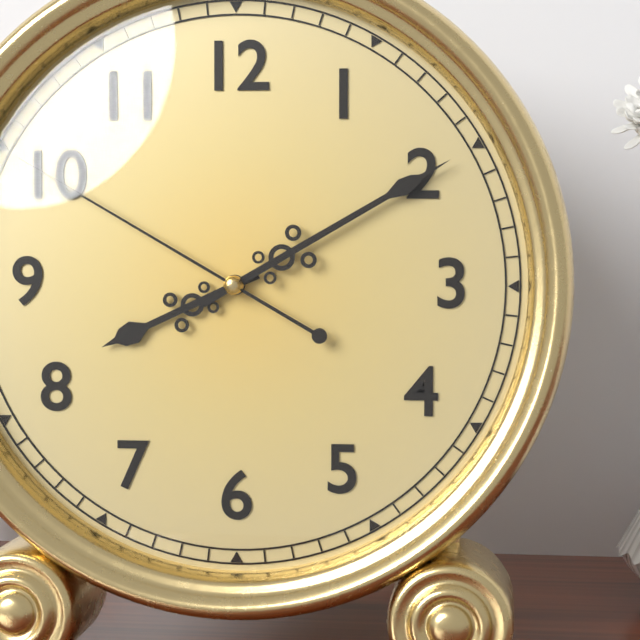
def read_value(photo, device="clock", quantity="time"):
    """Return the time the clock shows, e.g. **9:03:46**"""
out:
**8:10:50**
